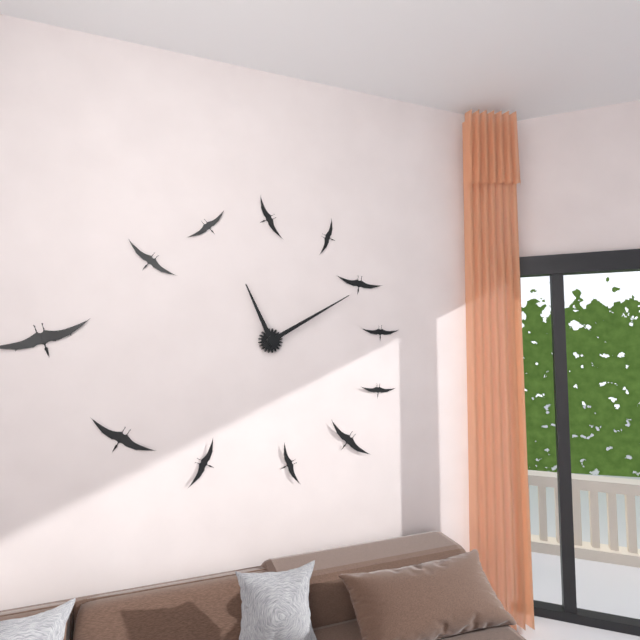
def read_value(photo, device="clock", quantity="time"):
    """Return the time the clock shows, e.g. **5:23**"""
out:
**11:10**
